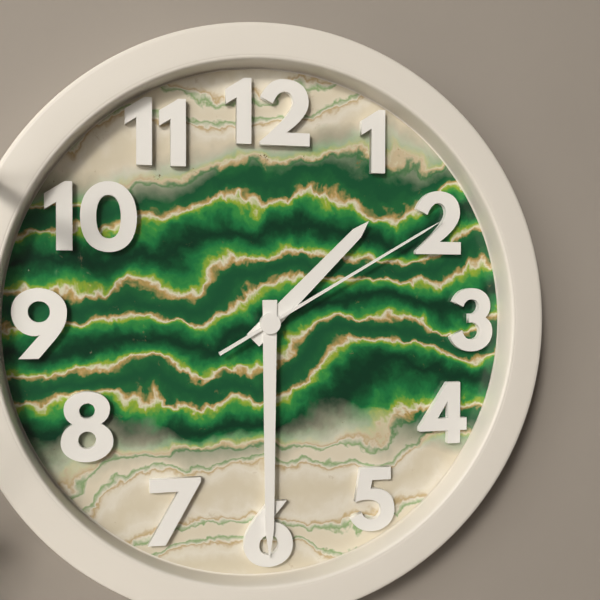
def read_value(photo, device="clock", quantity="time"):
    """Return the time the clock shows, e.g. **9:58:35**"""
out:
**1:30:10**
